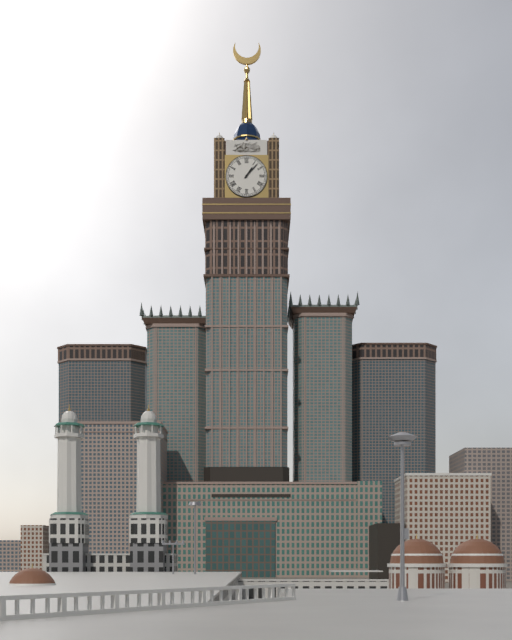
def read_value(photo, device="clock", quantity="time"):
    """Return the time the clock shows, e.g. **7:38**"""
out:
**1:07**
